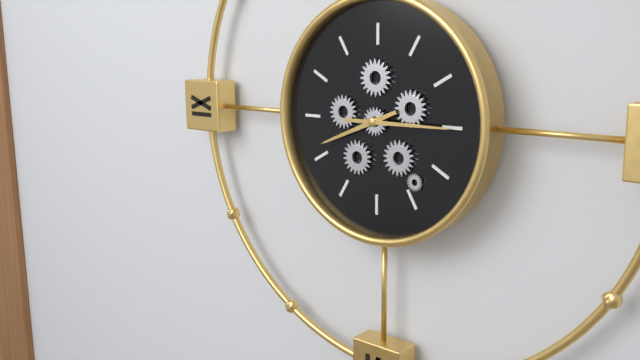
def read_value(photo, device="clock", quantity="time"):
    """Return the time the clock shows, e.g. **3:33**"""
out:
**8:15**
